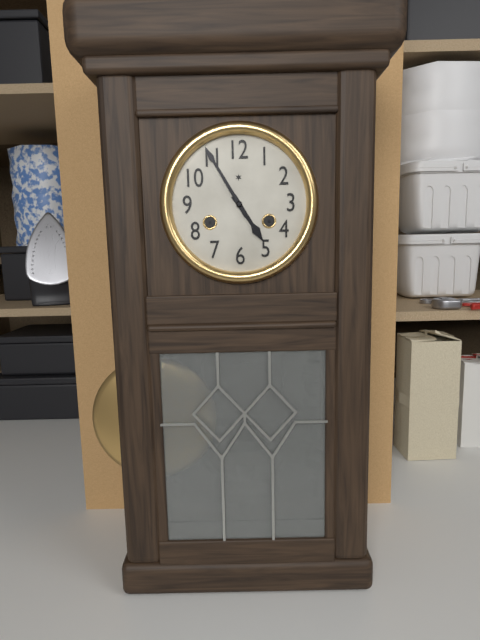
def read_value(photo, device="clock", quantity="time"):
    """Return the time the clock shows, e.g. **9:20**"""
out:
**4:55**
